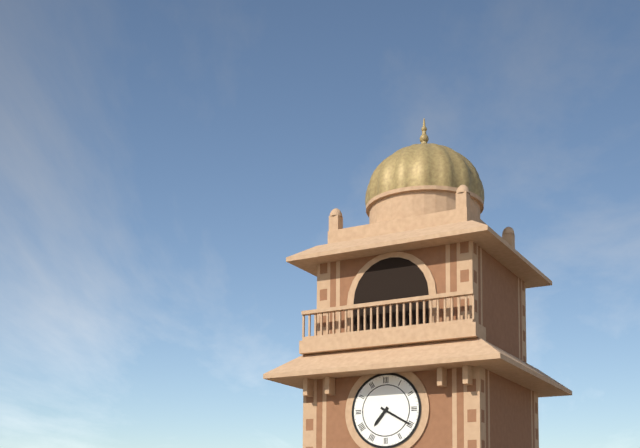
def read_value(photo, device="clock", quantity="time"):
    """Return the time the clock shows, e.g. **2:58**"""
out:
**7:20**
